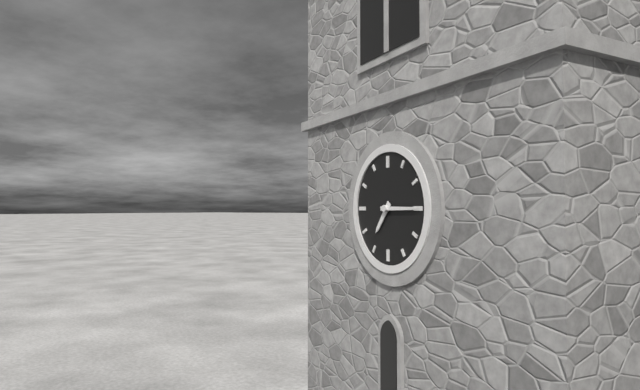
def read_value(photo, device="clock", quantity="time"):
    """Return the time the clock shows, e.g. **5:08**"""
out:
**7:15**
